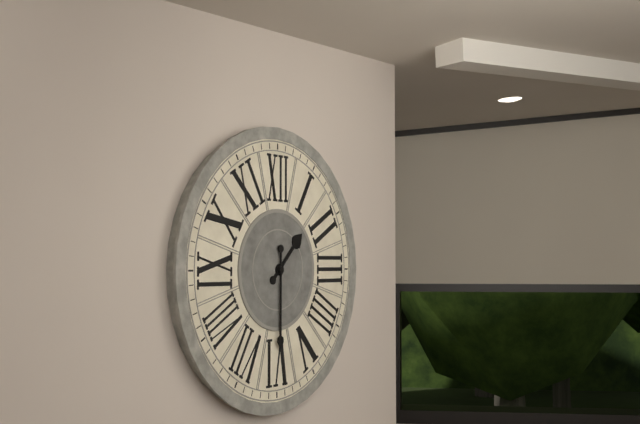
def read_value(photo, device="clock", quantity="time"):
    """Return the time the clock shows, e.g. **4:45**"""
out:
**1:30**
